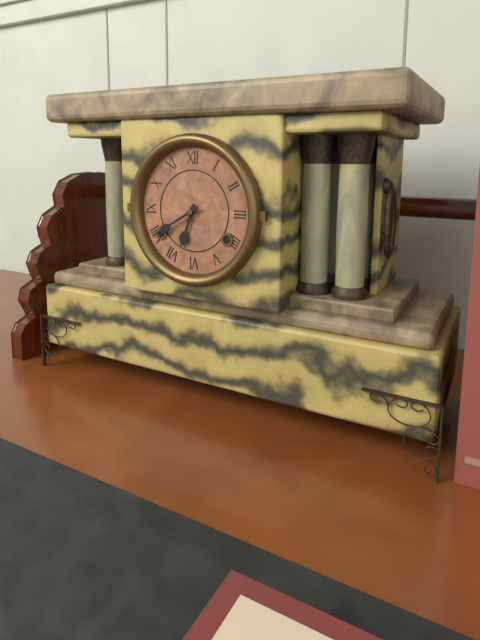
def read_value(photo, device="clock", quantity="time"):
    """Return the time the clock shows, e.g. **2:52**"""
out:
**6:40**
